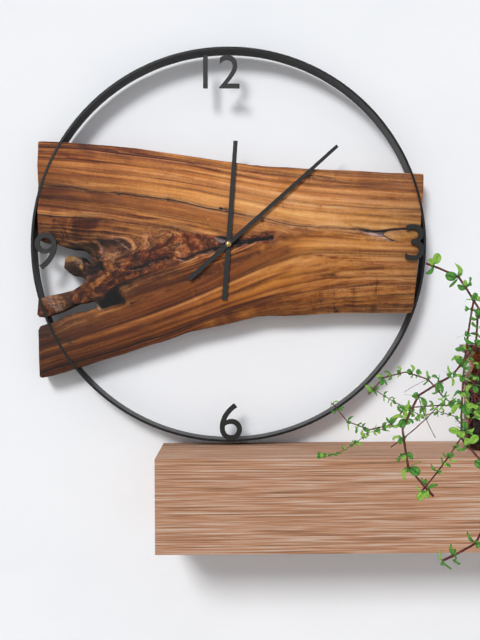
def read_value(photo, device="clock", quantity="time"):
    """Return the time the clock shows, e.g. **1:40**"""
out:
**12:08**
